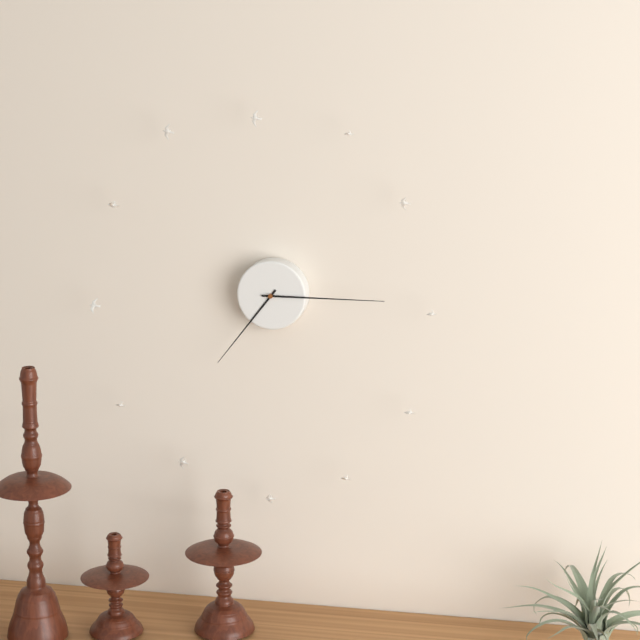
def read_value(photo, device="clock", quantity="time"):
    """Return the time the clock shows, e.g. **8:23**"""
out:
**7:15**
